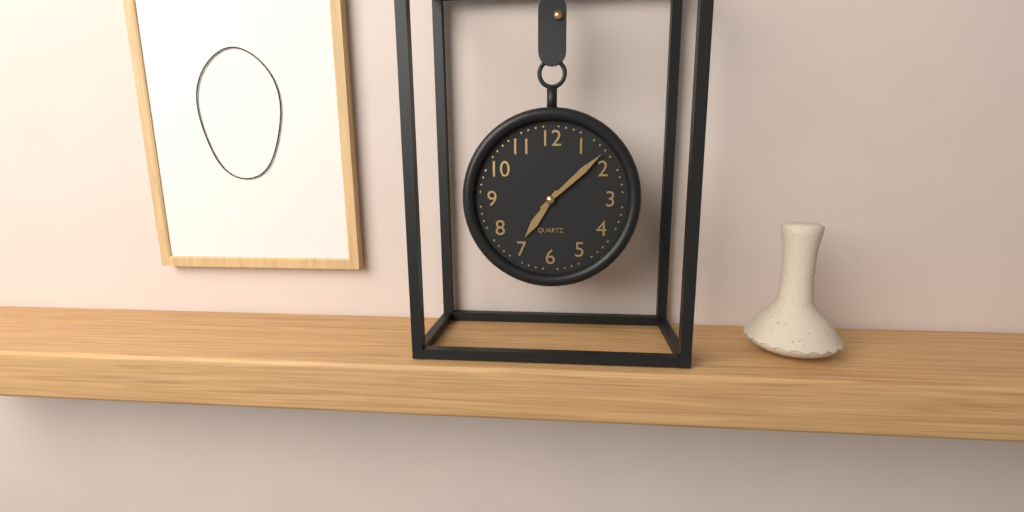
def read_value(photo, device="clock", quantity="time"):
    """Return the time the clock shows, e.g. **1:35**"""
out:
**7:08**
